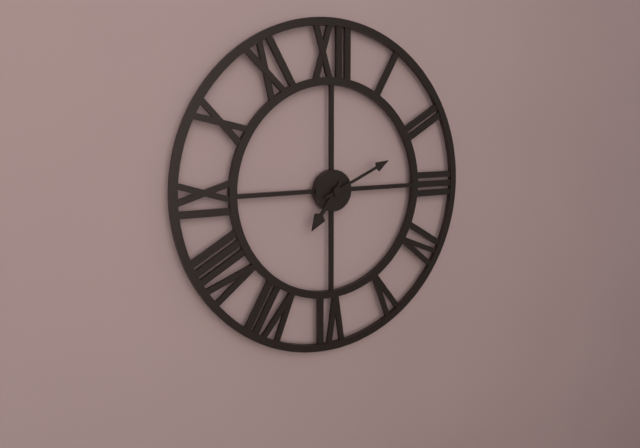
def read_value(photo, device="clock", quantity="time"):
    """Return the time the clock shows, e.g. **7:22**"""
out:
**7:11**
